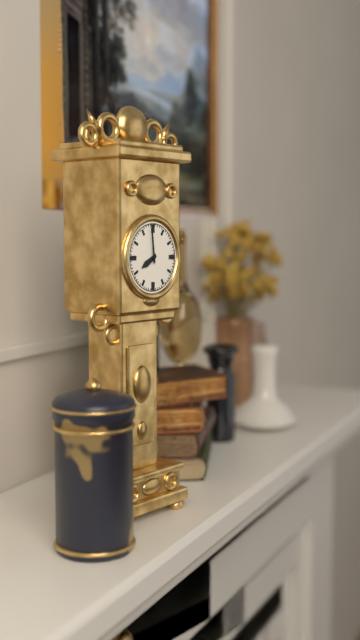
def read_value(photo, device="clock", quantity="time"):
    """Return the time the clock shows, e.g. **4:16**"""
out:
**7:59**
